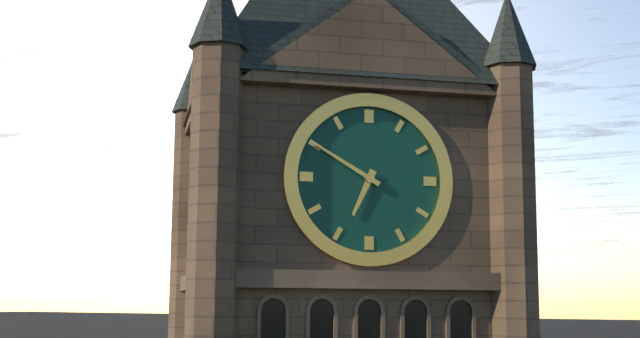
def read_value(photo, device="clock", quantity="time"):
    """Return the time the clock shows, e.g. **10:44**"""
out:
**6:50**
